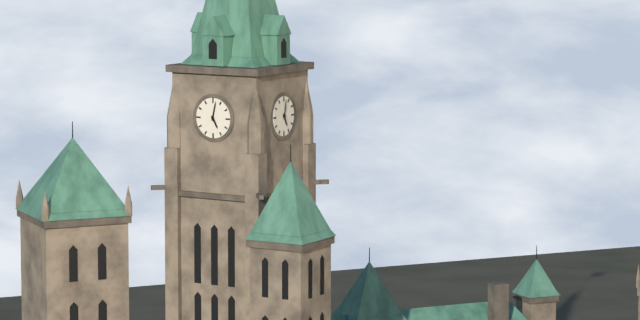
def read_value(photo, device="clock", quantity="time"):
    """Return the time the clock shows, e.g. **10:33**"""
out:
**5:02**
